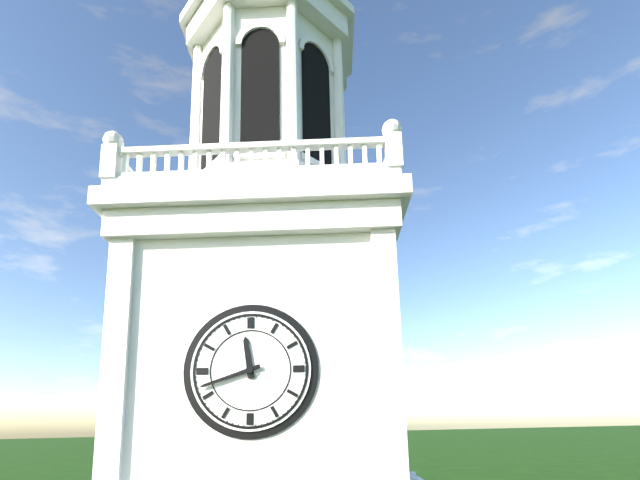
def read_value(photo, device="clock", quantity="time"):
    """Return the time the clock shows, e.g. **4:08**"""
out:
**11:42**
